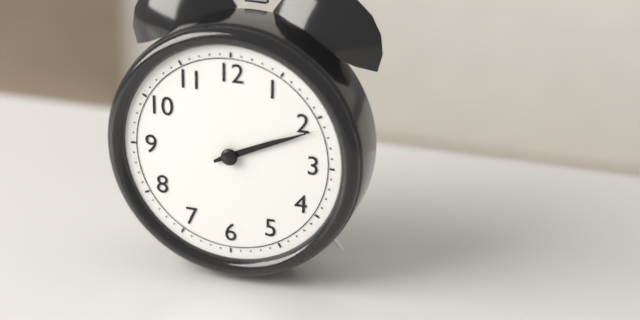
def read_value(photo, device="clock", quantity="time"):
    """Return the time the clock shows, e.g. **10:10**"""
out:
**2:11**
